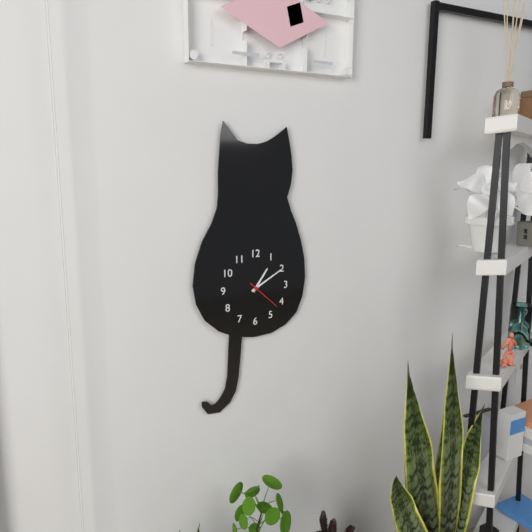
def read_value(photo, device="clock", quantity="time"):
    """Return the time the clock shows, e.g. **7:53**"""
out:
**1:10**
